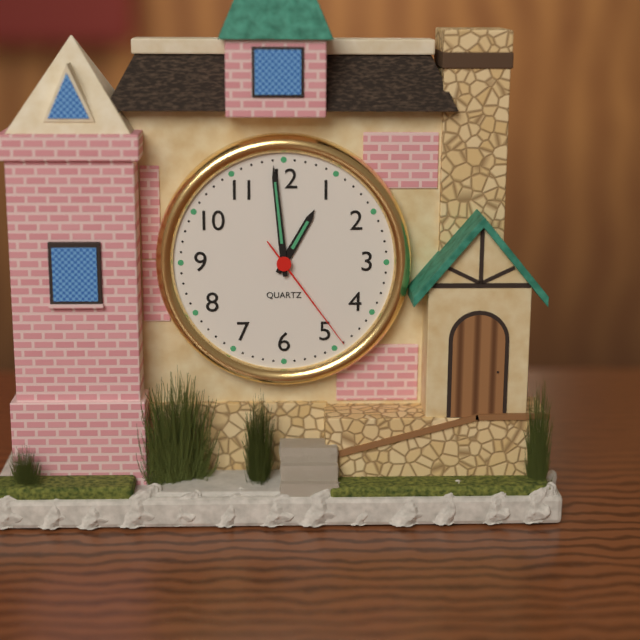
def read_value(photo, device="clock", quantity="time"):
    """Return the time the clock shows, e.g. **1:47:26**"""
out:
**12:59:24**
